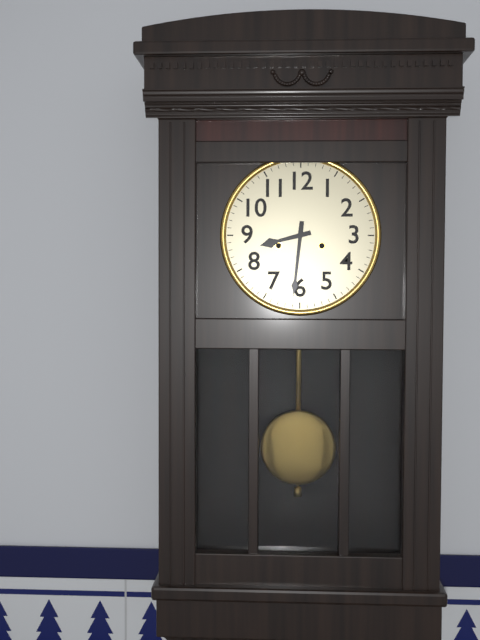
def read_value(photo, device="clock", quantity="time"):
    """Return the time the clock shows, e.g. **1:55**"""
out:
**8:31**
